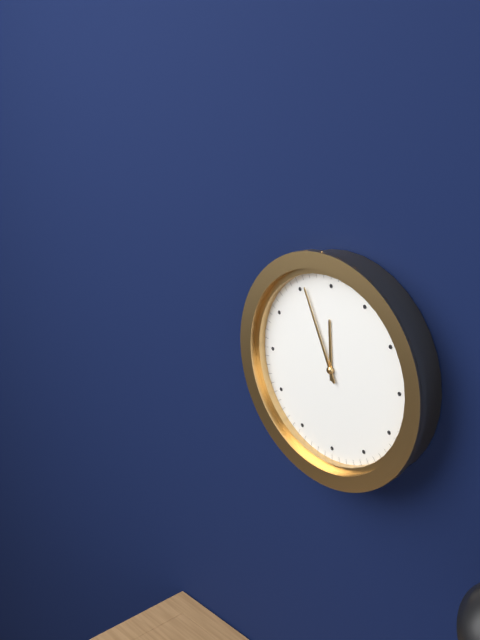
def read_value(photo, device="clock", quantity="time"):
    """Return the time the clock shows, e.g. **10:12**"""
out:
**11:56**
